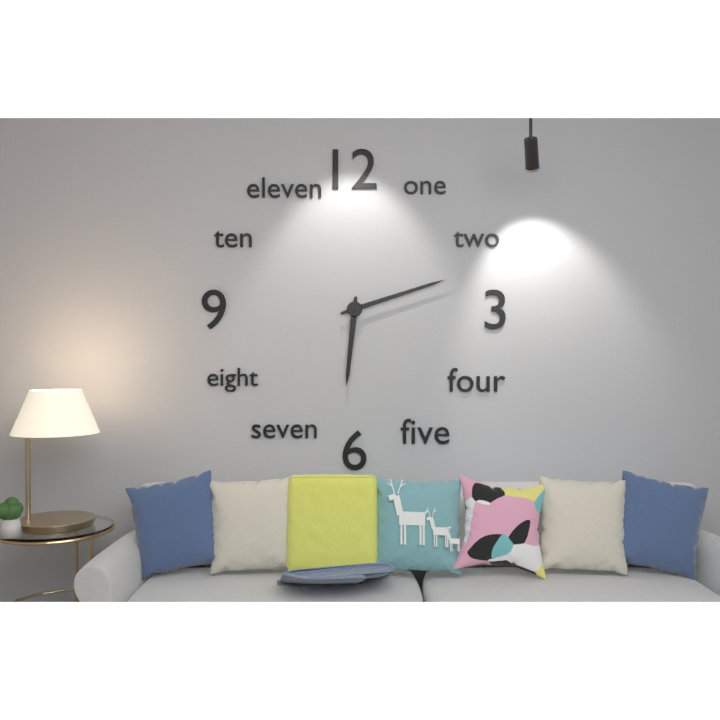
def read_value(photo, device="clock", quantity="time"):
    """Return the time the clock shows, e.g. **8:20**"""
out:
**6:12**
